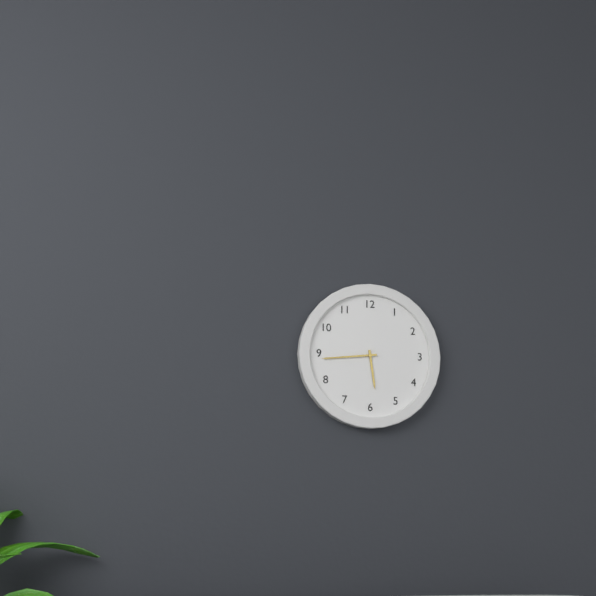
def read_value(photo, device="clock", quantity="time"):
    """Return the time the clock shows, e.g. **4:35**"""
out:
**5:44**
